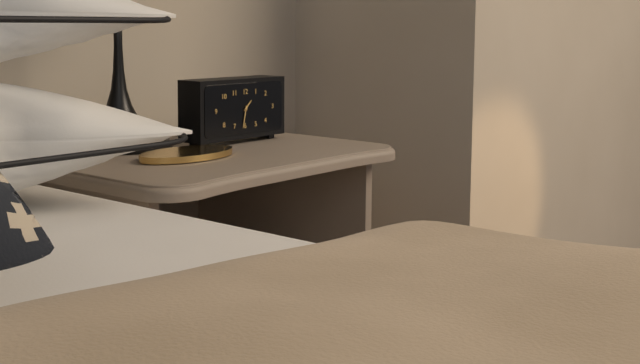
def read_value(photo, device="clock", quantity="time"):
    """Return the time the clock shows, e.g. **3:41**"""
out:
**1:32**
